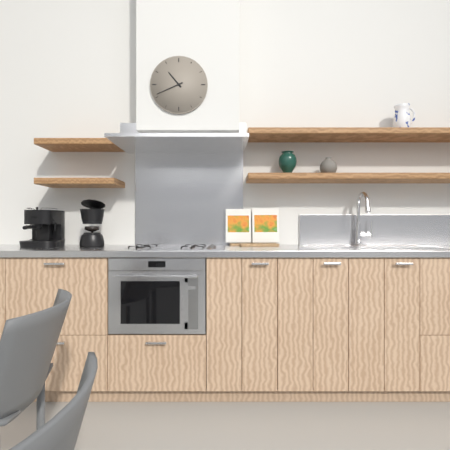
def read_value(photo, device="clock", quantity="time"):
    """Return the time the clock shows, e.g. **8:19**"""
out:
**10:41**
